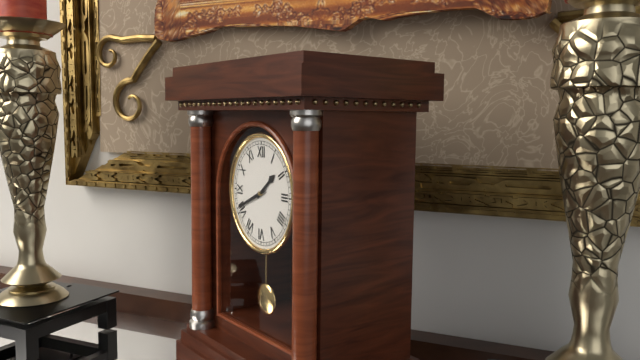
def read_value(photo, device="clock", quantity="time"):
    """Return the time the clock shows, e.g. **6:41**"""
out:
**1:41**
